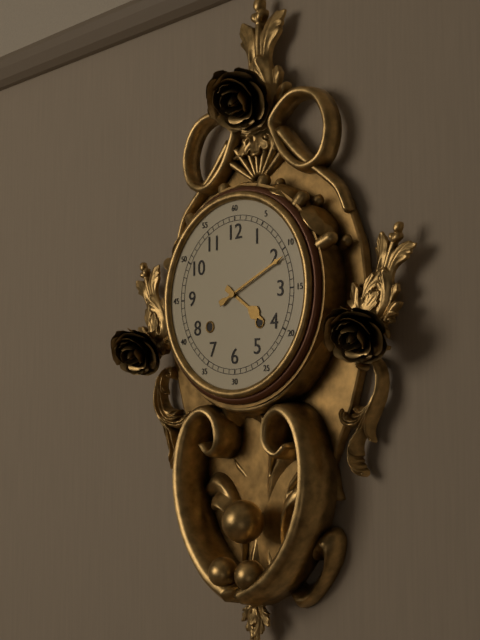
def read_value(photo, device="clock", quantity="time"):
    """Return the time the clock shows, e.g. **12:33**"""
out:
**4:11**
